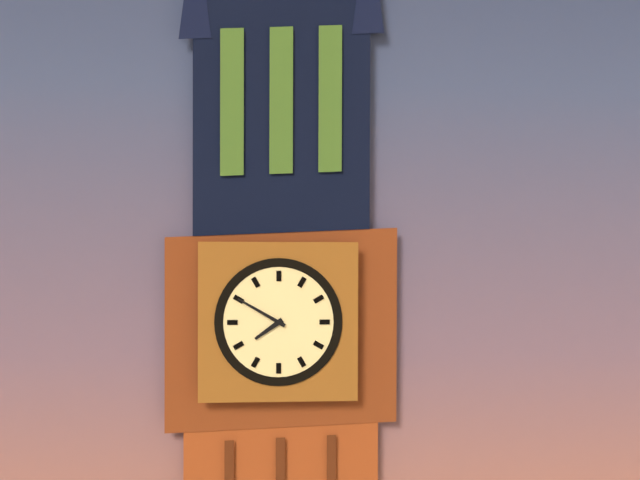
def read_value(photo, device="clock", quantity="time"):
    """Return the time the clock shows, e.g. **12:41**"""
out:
**7:50**
